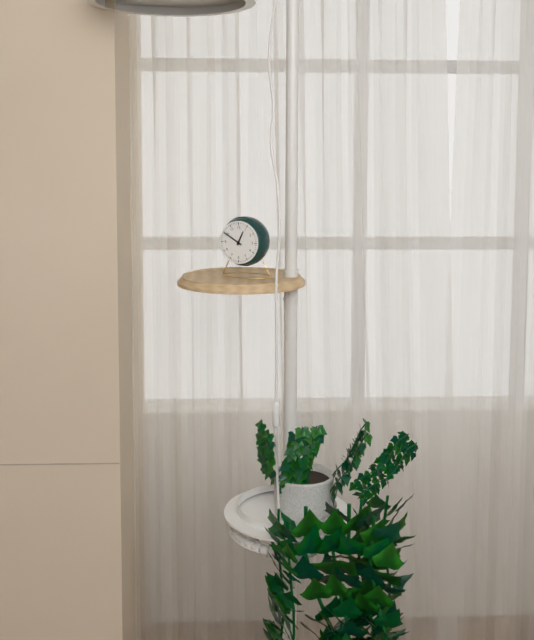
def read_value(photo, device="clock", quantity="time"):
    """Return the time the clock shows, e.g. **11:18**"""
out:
**12:50**
